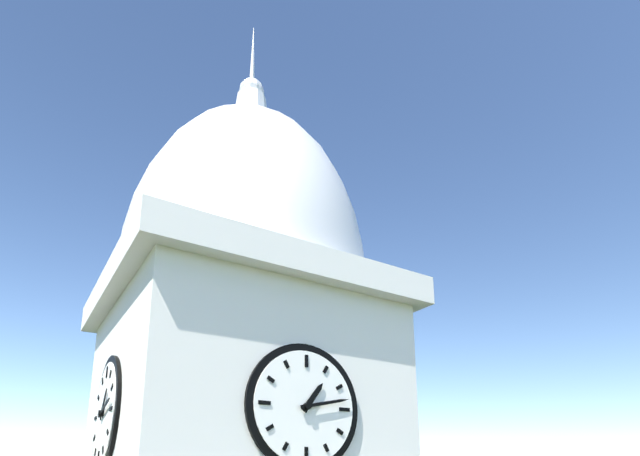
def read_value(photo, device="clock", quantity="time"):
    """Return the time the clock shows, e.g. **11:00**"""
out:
**1:13**
